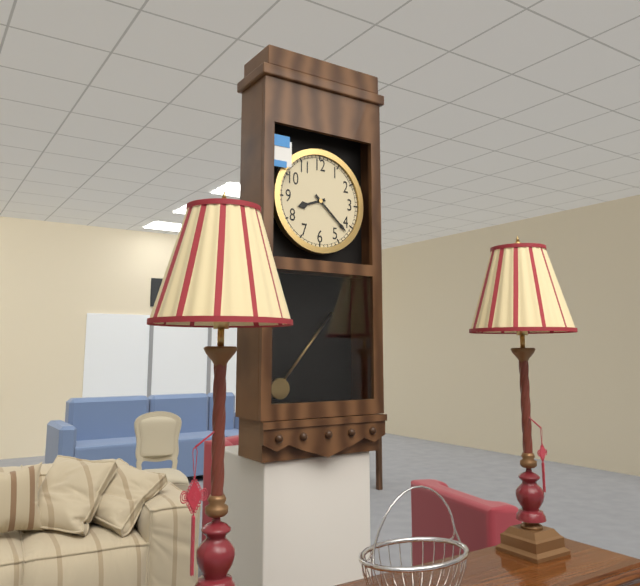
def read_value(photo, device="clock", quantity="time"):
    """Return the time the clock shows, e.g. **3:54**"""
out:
**8:22**
